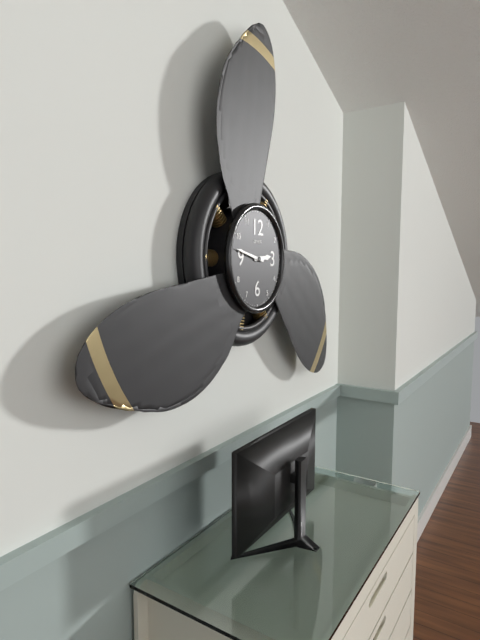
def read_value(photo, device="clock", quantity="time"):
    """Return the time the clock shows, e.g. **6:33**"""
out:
**2:47**
